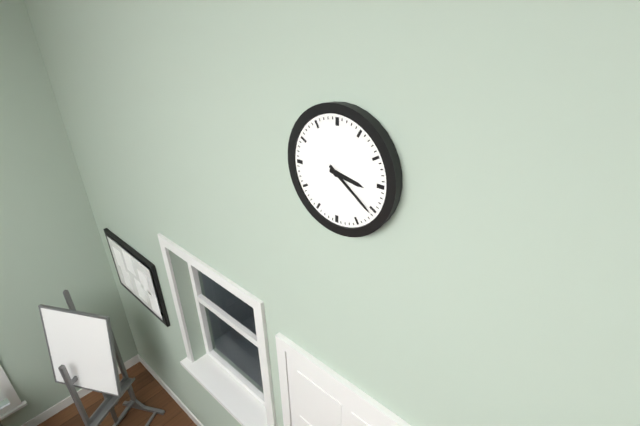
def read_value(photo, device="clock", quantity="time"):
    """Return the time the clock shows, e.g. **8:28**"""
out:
**3:21**
